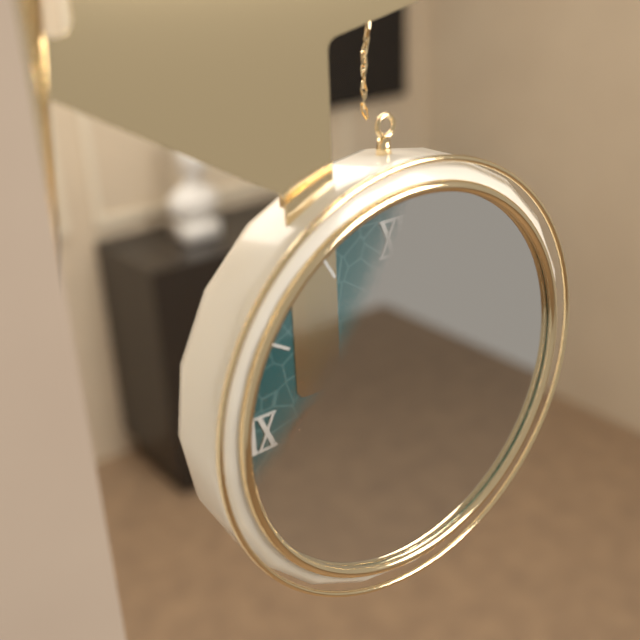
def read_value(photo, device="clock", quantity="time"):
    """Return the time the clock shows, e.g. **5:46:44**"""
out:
**6:24:17**
